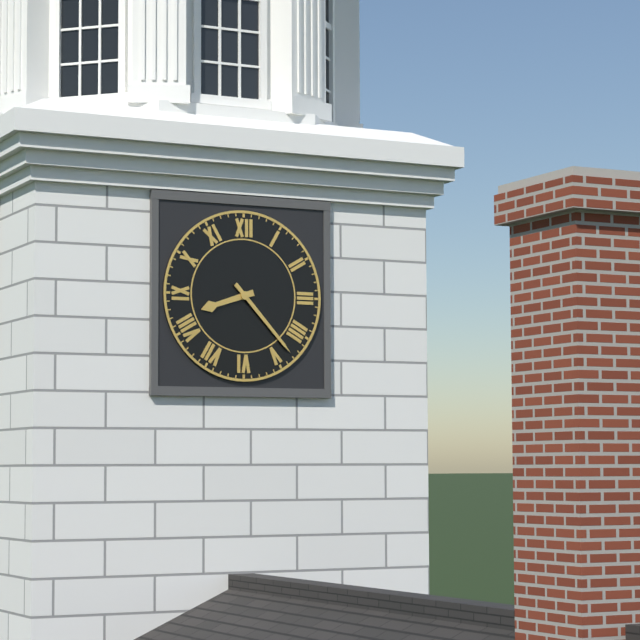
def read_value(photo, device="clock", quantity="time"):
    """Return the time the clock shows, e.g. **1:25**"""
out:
**8:23**
